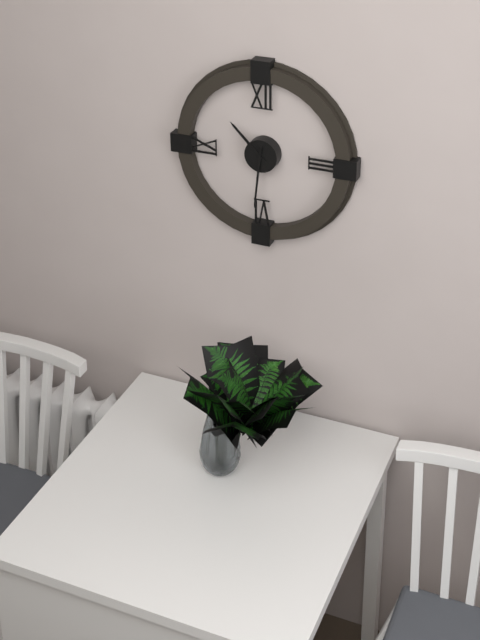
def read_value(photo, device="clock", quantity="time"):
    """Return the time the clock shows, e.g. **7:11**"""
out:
**10:31**
